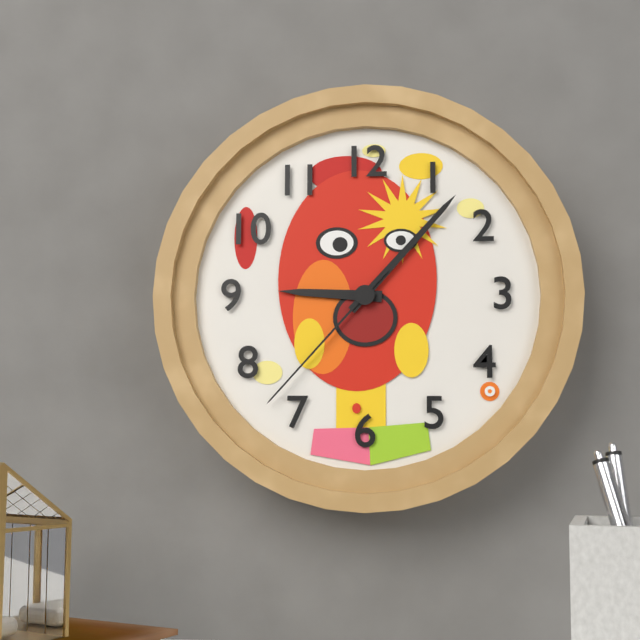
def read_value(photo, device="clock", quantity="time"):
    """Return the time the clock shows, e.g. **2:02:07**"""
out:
**9:07:37**
